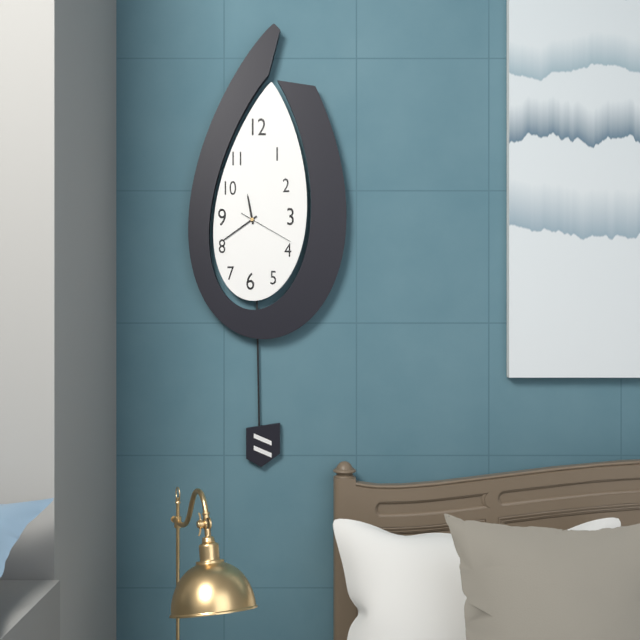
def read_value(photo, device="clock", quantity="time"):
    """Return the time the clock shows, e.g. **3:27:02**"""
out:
**11:39:20**
